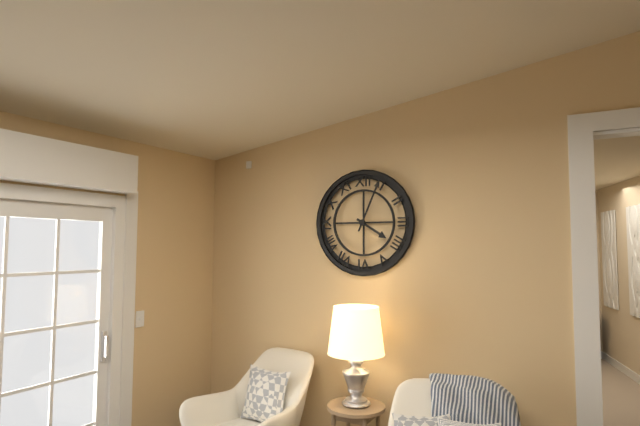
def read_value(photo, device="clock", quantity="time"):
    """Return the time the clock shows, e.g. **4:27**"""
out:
**4:04**
